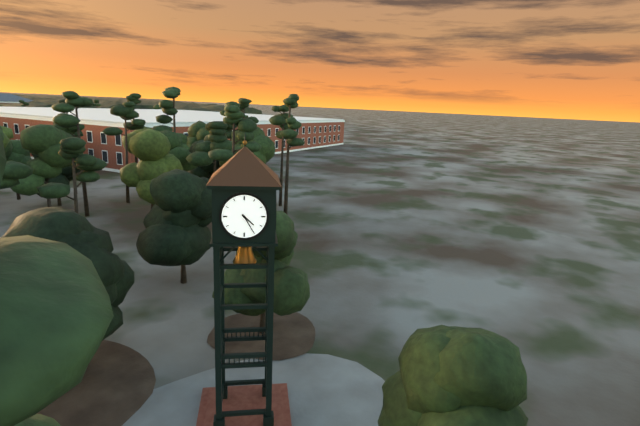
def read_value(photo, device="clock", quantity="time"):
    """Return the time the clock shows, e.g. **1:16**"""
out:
**4:25**
